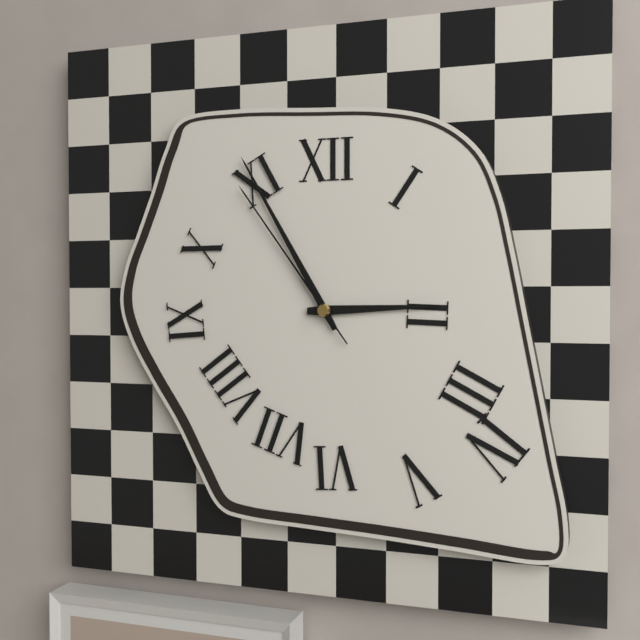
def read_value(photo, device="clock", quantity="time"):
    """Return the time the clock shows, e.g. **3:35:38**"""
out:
**2:55:54**
